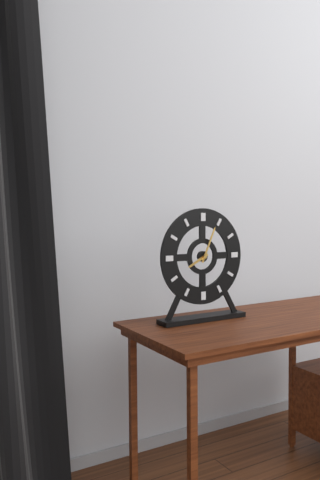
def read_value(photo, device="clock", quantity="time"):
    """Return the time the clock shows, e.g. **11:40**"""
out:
**8:04**
